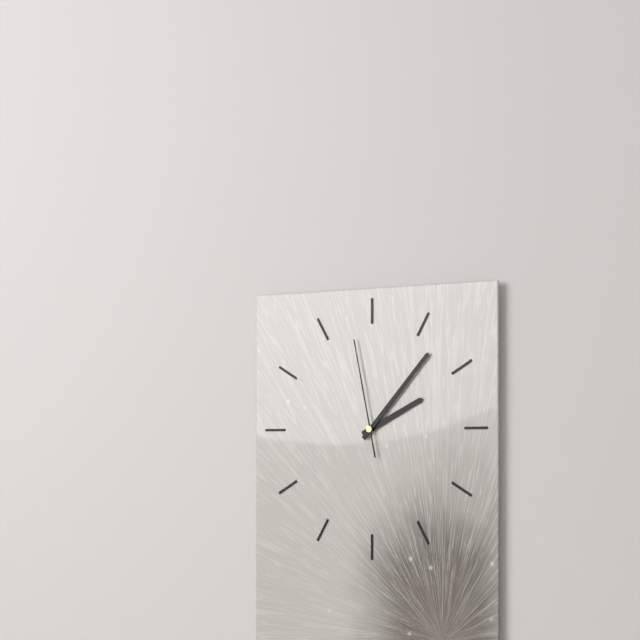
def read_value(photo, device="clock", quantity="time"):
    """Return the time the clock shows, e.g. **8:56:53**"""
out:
**2:07:58**
